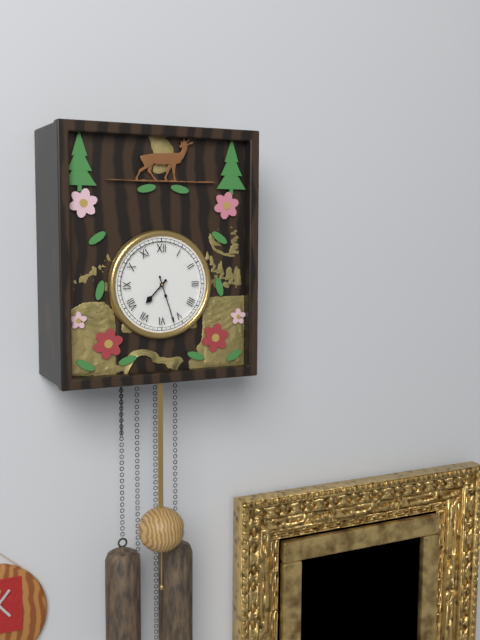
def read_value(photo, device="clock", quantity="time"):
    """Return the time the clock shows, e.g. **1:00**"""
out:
**7:27**
